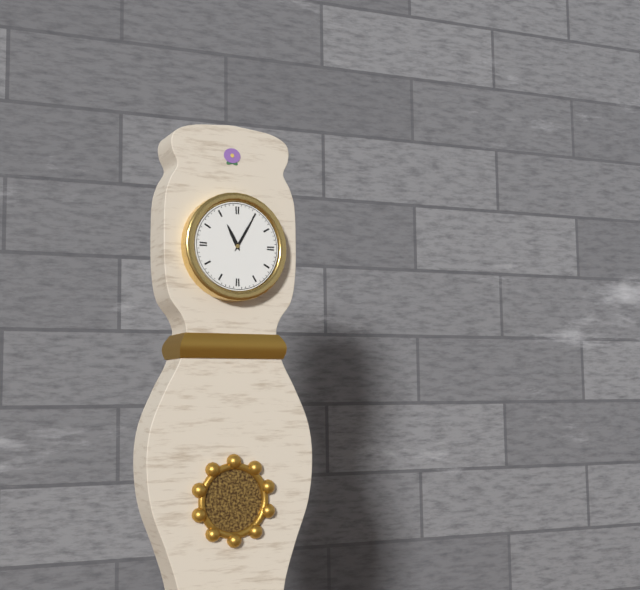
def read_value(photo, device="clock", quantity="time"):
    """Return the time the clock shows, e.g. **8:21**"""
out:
**11:05**
